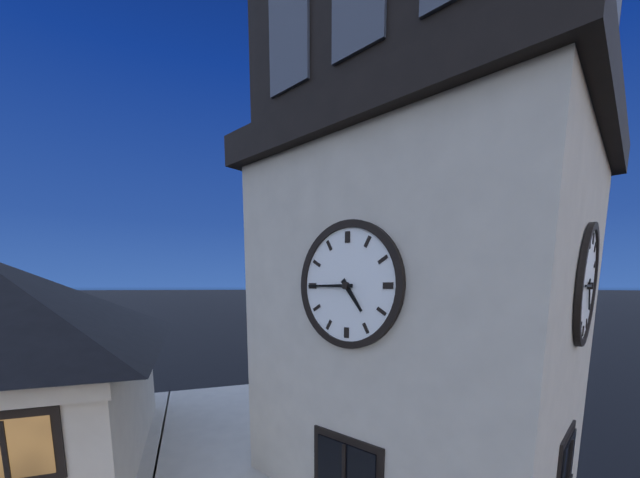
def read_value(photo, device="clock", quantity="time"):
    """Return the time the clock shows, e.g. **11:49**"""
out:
**4:45**
